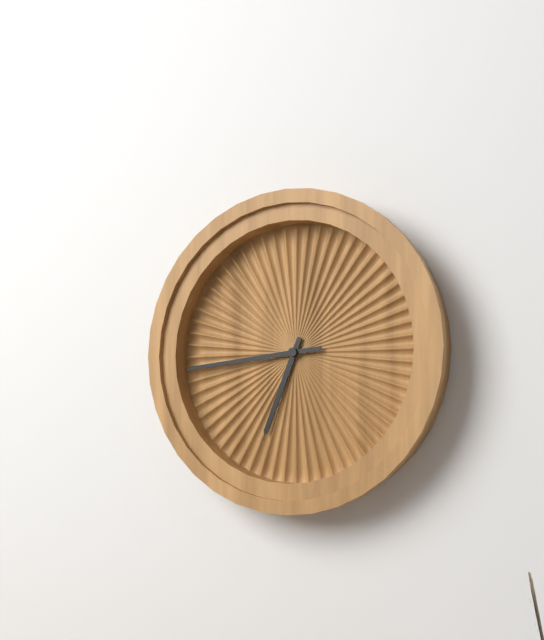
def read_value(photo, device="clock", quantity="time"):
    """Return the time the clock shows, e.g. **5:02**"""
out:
**6:44**
